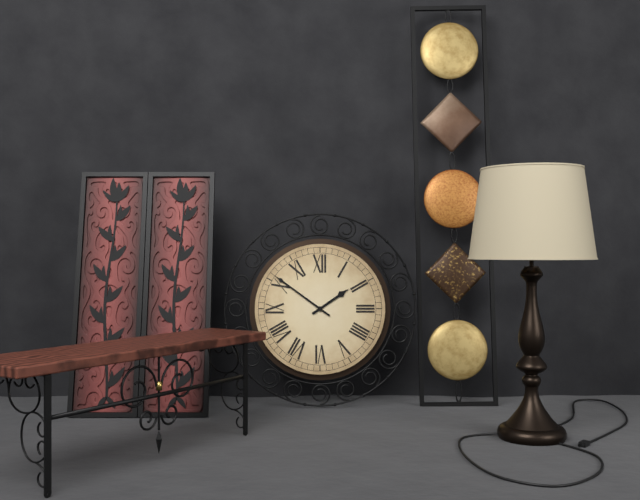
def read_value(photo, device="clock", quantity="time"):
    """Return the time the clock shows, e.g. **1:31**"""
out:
**1:51**
